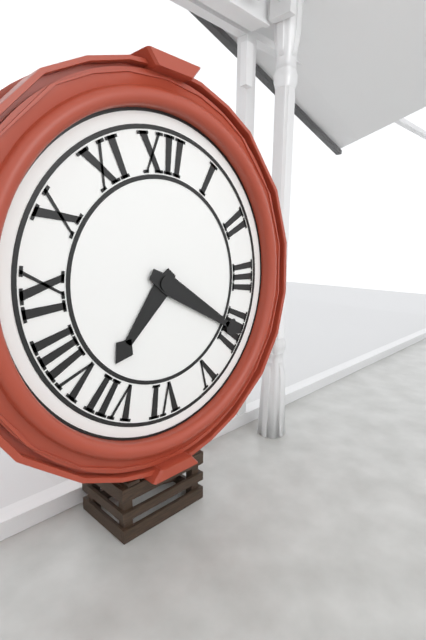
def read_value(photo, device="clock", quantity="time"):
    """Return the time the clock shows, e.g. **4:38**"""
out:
**7:20**
